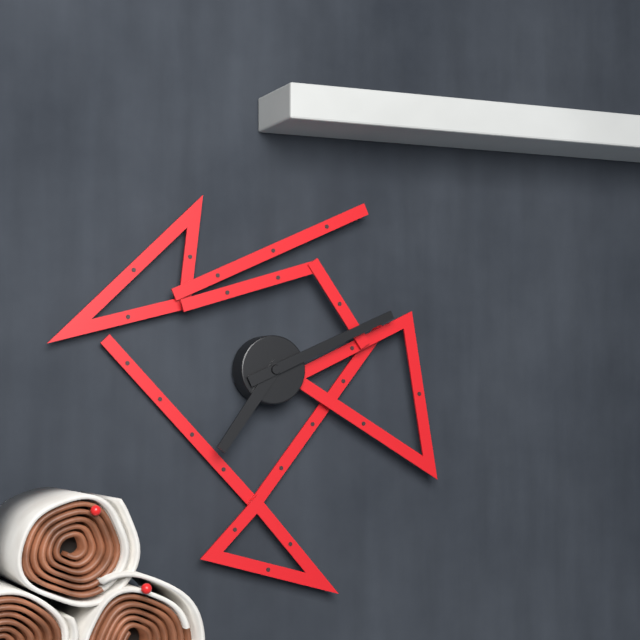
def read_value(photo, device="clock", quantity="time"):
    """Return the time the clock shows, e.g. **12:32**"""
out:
**7:11**
